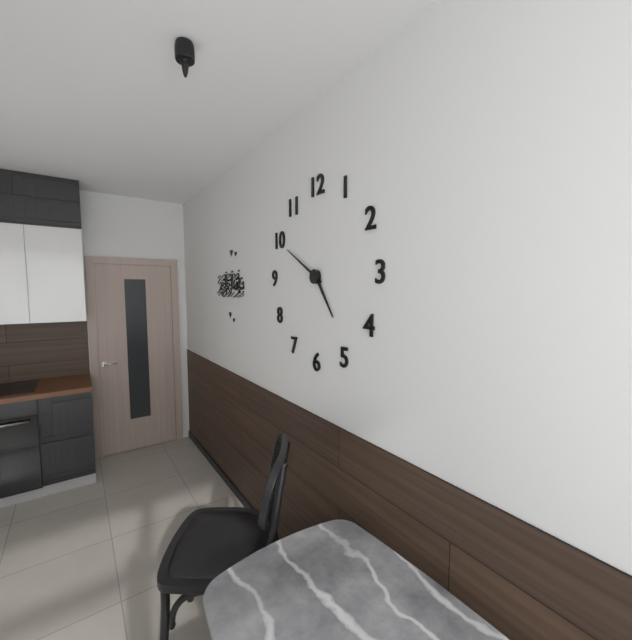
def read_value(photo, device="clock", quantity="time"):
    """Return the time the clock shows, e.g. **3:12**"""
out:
**4:50**
